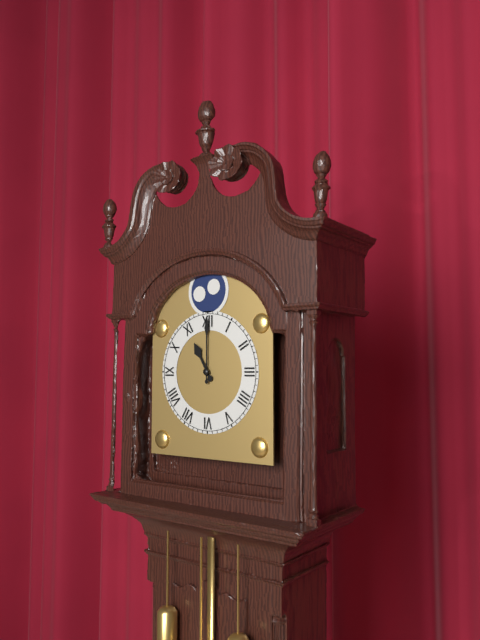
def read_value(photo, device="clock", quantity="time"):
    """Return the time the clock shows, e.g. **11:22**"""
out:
**11:00**
